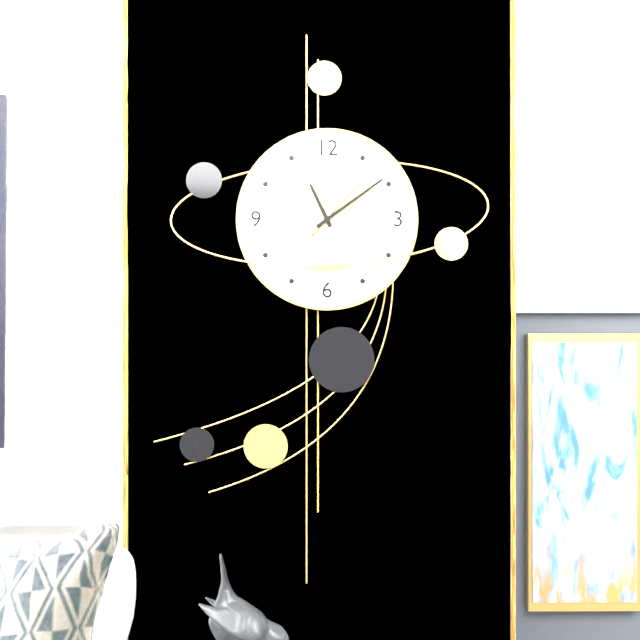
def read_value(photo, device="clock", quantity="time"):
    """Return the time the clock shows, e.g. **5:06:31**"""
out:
**11:09:07**
